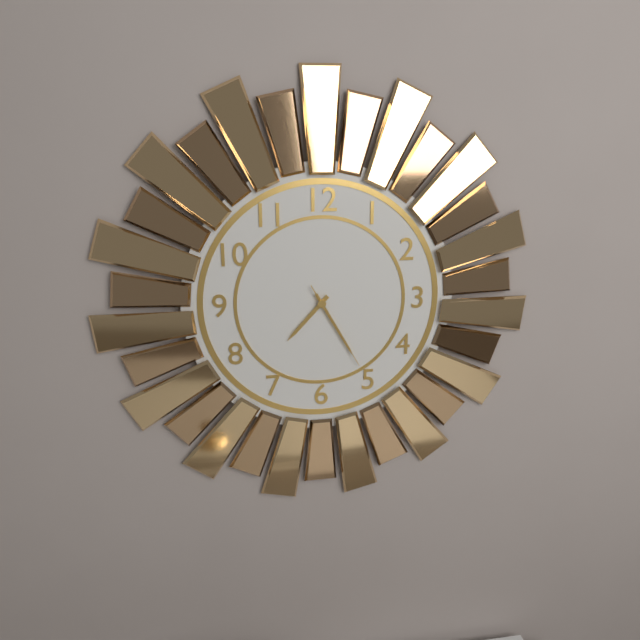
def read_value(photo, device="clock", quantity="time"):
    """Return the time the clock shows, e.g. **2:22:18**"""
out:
**7:25:25**
